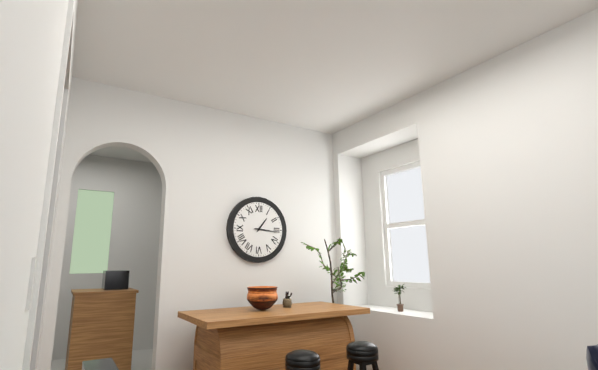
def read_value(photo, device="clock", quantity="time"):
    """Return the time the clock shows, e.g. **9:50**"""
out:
**1:16**
